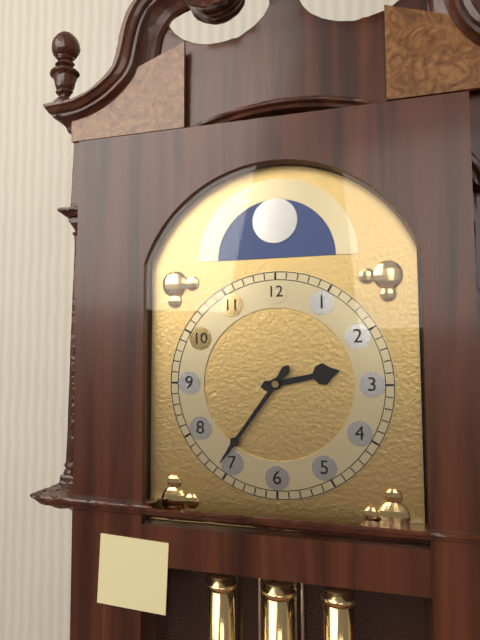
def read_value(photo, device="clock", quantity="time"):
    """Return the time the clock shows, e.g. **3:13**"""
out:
**2:36**
